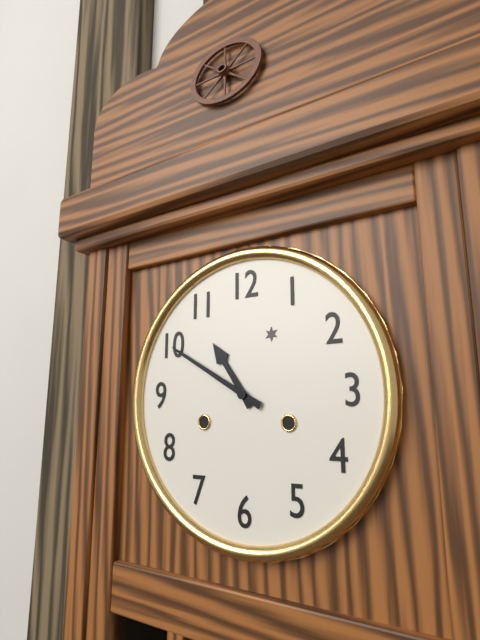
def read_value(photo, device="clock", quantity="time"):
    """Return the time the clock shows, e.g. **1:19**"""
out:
**10:50**
